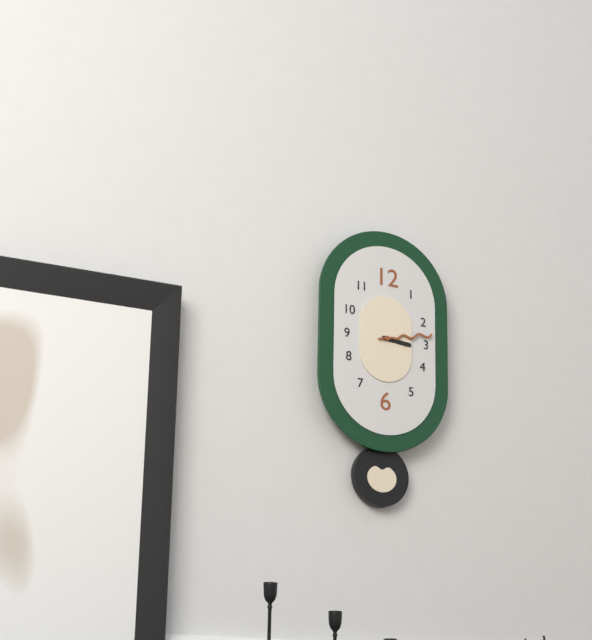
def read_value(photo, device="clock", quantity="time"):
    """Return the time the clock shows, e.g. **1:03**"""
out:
**3:13**
